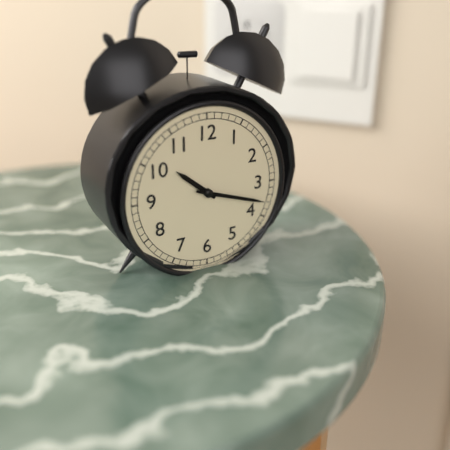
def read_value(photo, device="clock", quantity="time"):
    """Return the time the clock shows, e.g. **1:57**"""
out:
**10:18**
